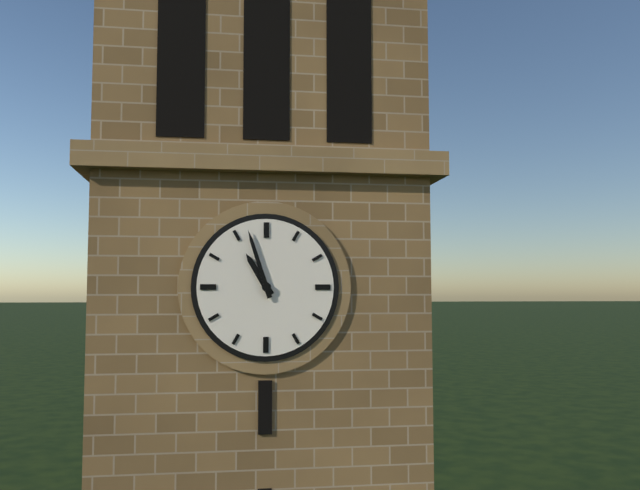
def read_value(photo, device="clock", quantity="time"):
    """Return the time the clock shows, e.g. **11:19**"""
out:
**10:57**
